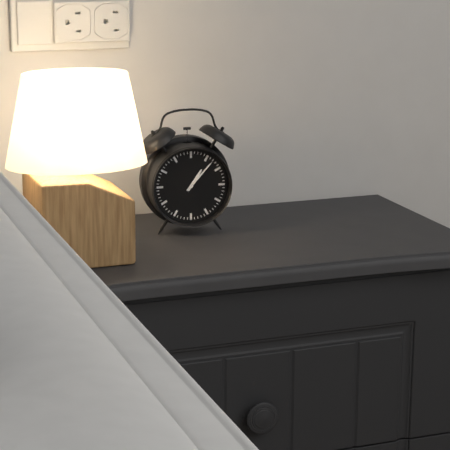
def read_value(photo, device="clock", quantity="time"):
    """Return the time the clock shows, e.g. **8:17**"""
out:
**1:07**
